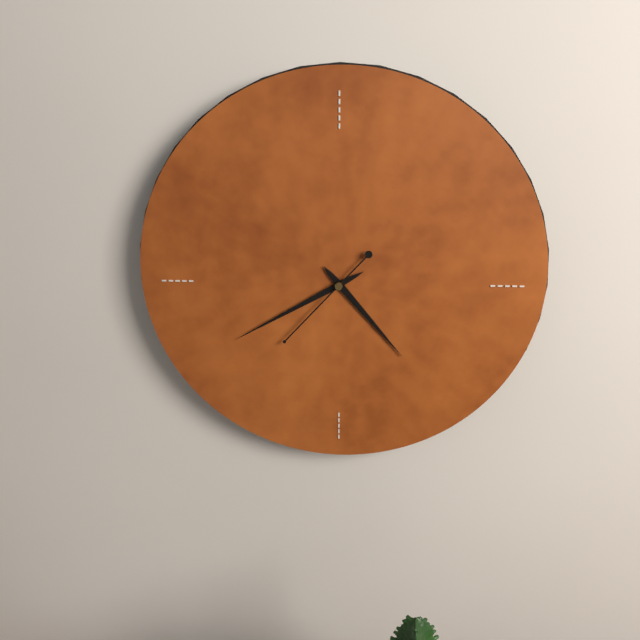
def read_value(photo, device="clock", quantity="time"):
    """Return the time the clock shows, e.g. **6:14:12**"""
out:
**4:40:37**
